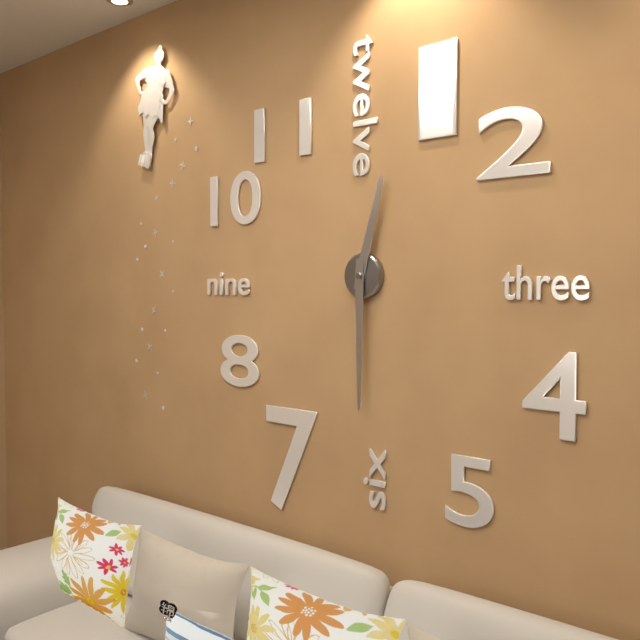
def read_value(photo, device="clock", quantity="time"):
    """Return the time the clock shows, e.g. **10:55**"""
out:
**12:30**
